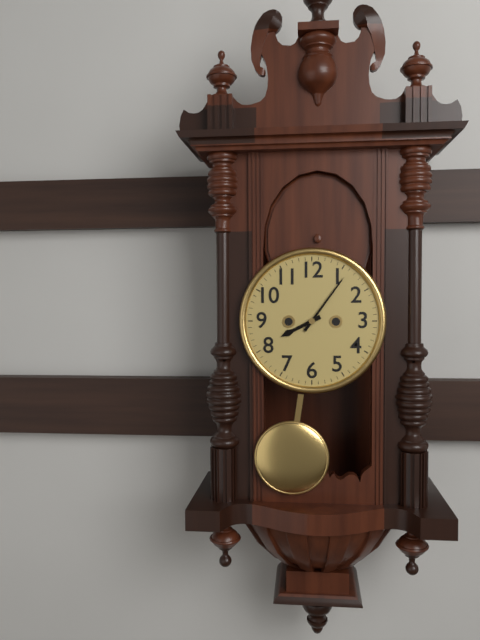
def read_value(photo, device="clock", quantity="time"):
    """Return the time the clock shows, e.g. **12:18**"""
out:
**8:06**
